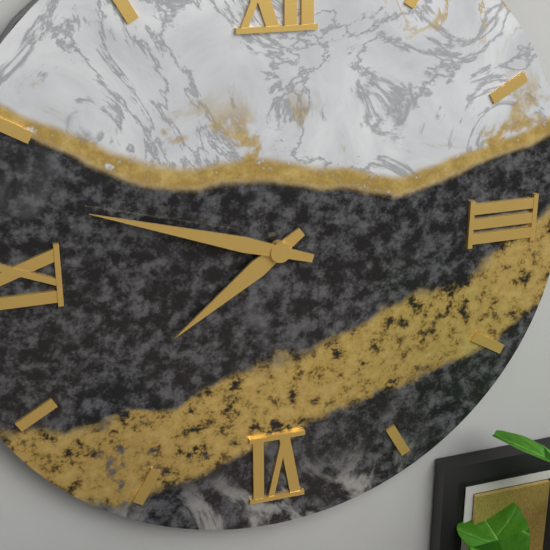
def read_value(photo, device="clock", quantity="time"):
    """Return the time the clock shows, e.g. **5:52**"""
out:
**7:48**
